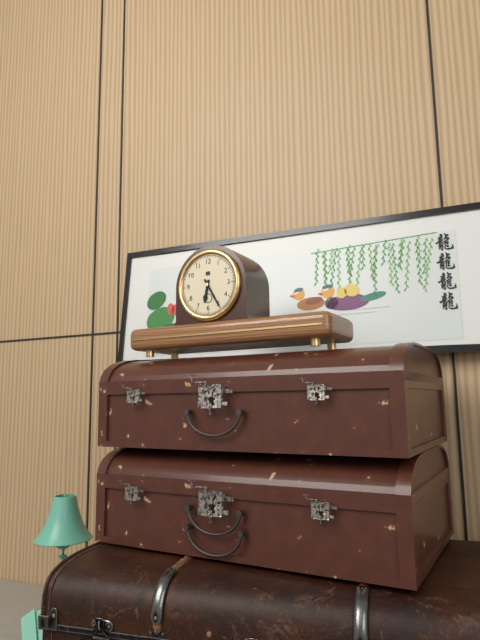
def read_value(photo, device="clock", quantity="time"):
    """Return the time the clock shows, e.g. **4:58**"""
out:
**6:25**
